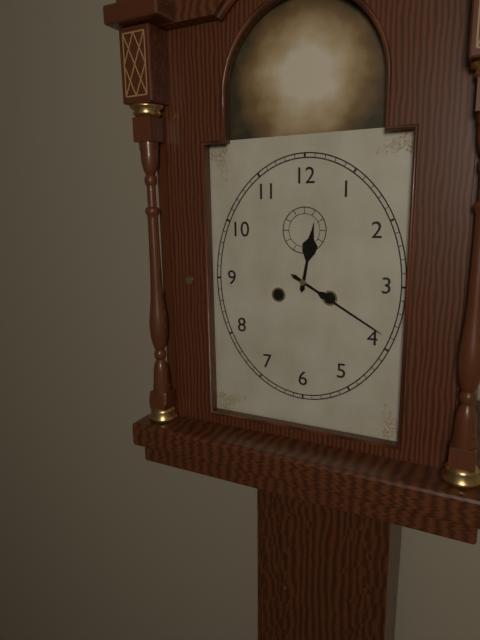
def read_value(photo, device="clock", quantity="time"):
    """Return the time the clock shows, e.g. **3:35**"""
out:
**12:20**
